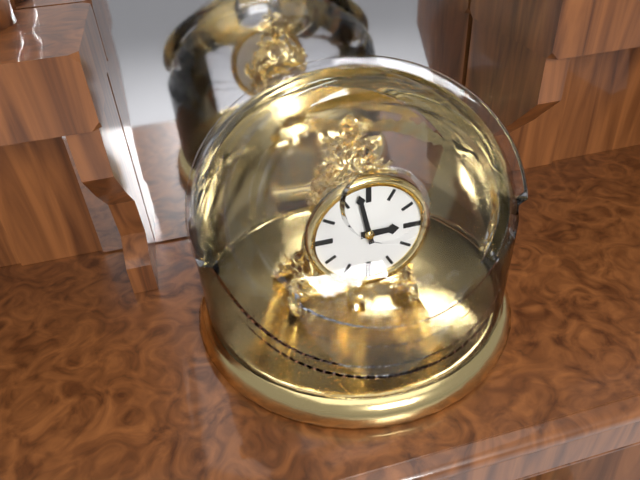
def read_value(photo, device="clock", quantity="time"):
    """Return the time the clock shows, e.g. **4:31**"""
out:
**2:58**
